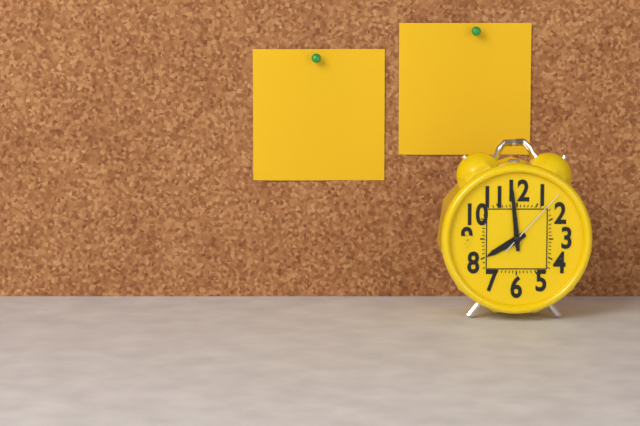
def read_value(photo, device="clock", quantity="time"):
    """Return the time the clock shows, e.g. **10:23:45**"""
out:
**7:59:07**
